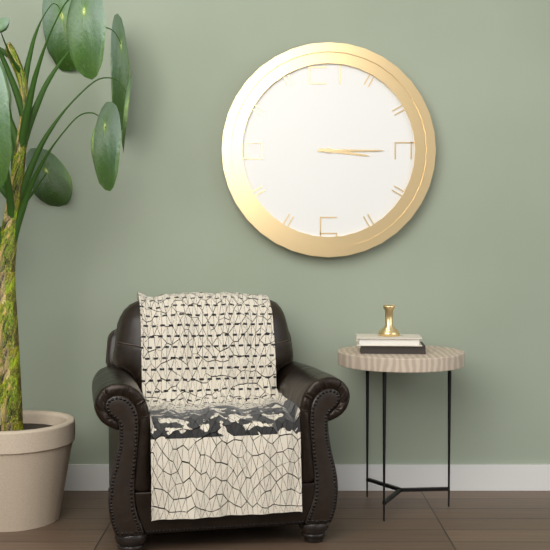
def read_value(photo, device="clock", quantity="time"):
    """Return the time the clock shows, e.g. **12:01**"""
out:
**3:15**
